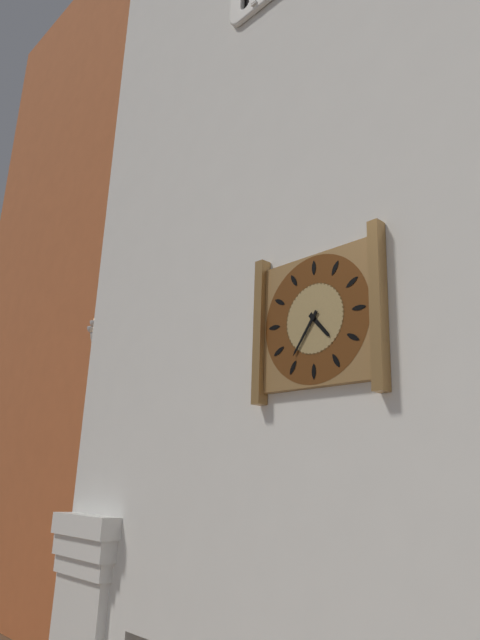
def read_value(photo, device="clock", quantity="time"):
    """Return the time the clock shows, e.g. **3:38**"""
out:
**4:36**
